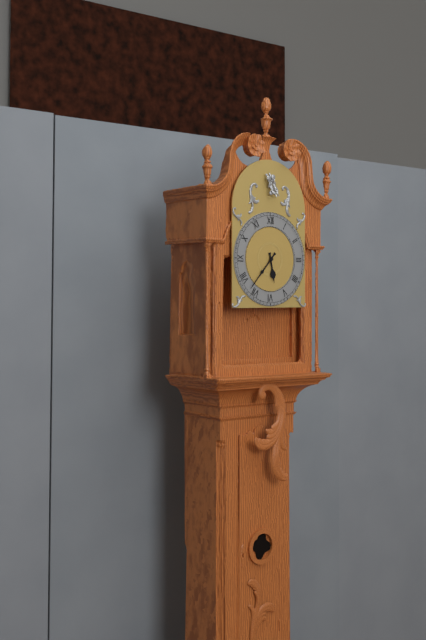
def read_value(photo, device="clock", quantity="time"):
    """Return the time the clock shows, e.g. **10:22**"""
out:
**5:37**
